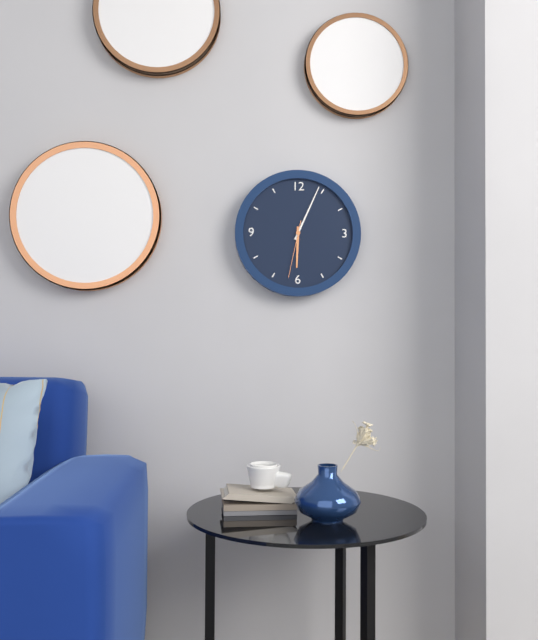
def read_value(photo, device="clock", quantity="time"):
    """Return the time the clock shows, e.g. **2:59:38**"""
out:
**6:04:32**
